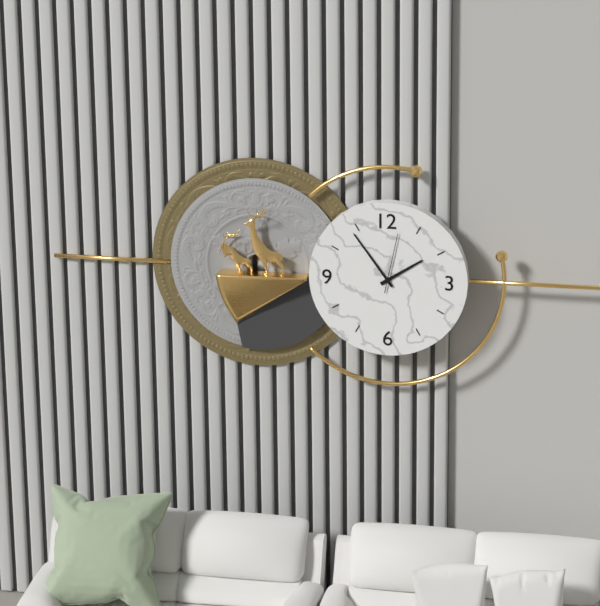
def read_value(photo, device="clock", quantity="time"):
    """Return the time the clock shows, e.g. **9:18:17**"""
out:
**1:54:02**
